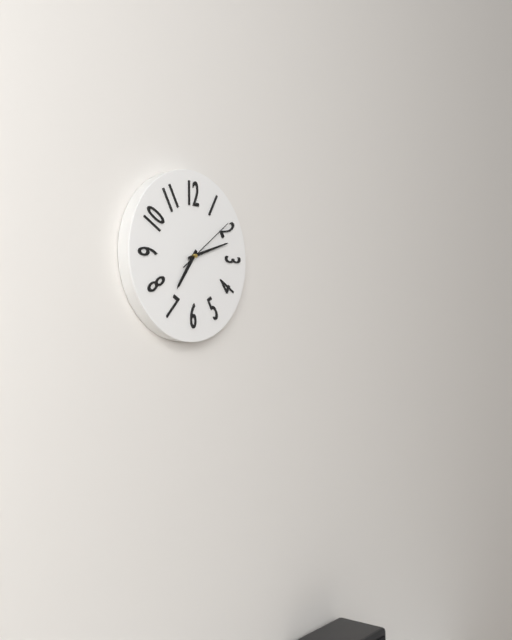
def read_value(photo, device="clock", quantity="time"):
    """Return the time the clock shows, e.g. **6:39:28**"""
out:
**7:12:09**
